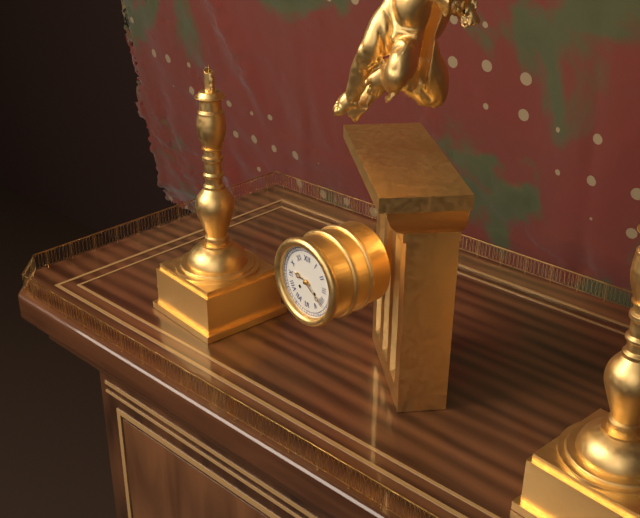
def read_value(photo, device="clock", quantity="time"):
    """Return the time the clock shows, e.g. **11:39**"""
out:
**9:21**
